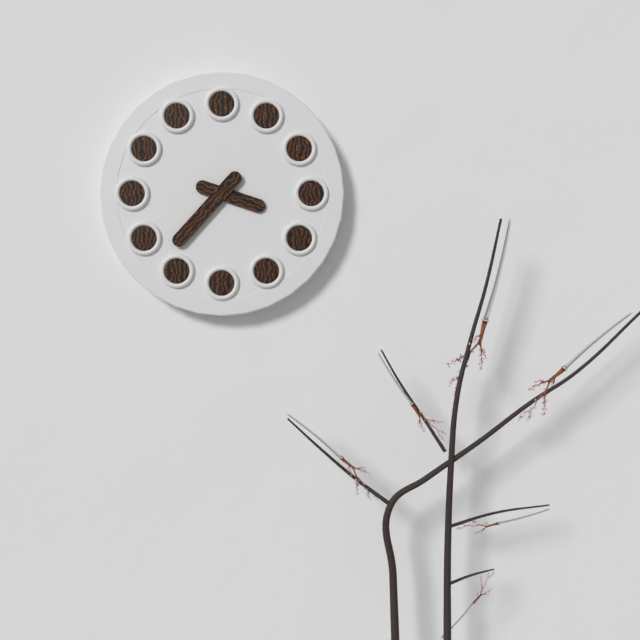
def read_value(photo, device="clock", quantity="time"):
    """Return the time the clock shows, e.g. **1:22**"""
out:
**3:37**
